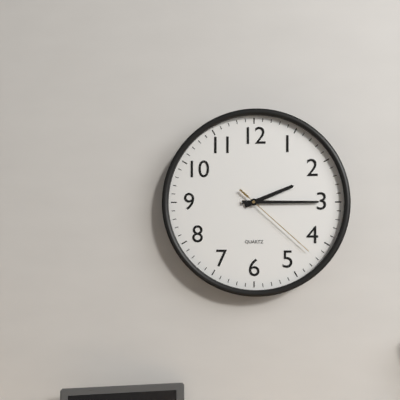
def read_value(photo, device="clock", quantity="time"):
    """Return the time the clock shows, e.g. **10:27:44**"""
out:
**2:15:22**
